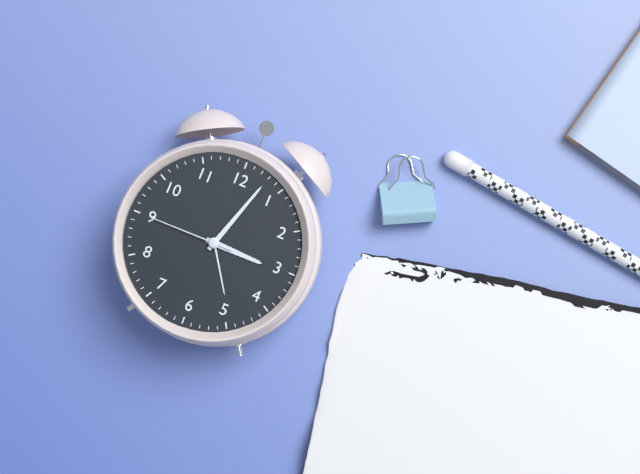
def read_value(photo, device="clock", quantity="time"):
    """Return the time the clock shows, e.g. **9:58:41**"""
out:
**3:03:45**
